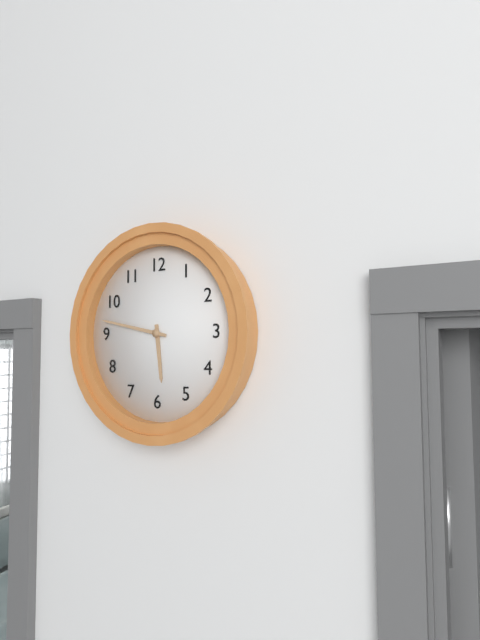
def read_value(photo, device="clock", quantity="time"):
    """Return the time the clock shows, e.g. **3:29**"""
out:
**5:47**
